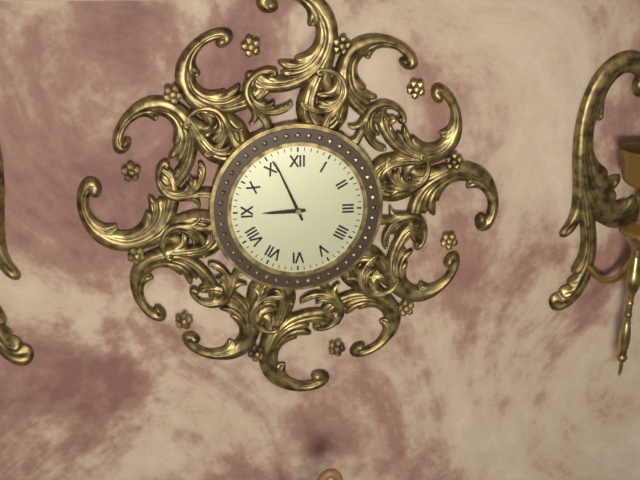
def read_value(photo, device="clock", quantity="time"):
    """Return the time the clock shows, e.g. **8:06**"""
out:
**8:56**
